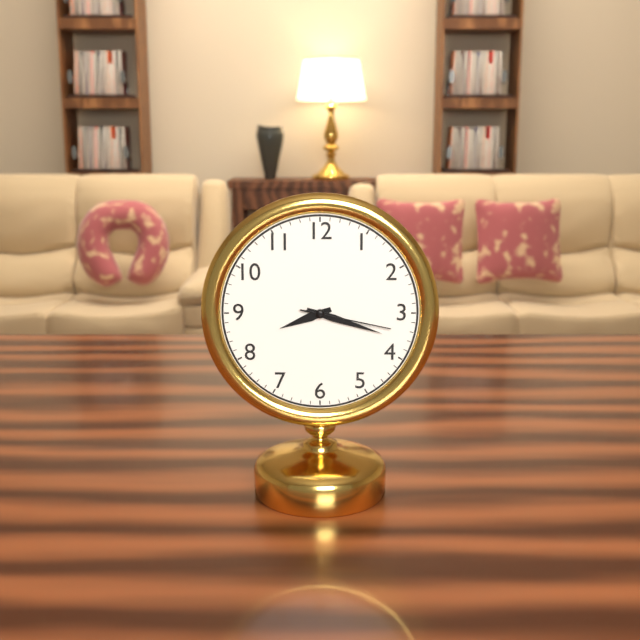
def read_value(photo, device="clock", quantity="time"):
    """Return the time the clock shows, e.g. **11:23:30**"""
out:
**8:18:17**
